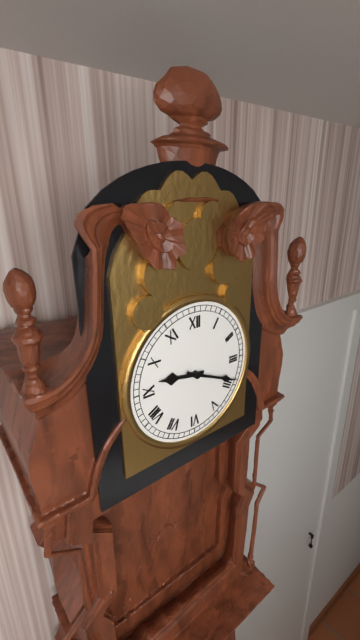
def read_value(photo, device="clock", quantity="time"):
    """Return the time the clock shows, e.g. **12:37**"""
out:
**9:19**
